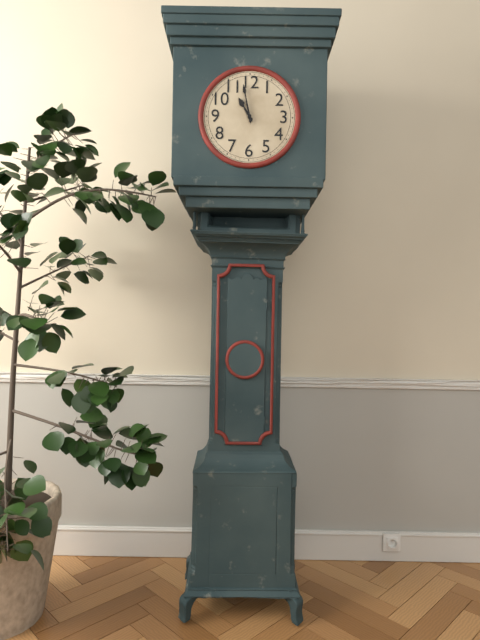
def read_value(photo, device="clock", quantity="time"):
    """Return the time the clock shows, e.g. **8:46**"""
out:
**10:58**
